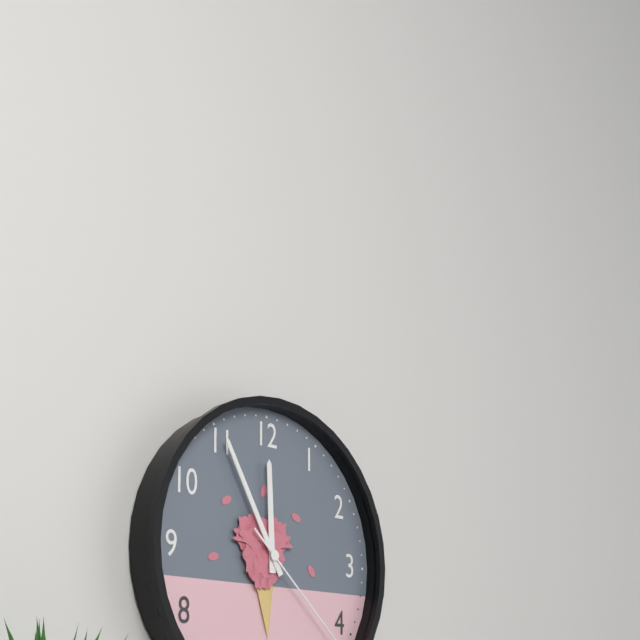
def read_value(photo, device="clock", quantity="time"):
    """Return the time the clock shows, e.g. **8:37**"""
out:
**11:55**
